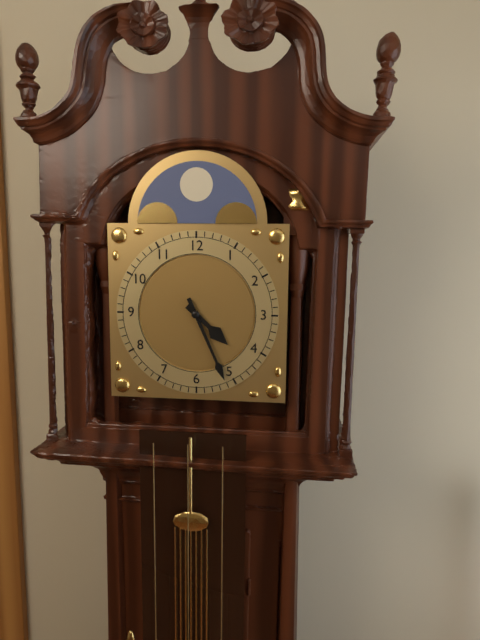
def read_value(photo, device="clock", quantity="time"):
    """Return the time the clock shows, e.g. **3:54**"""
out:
**4:26**
